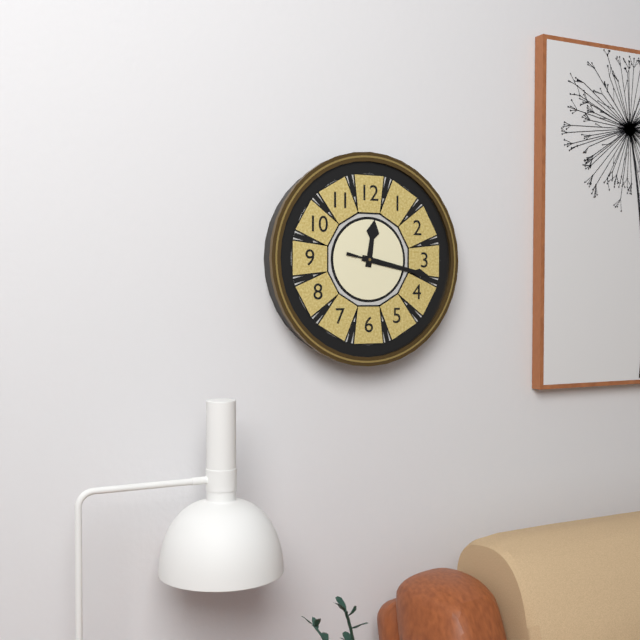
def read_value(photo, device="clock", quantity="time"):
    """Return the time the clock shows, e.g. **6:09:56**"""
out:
**12:17:17**
